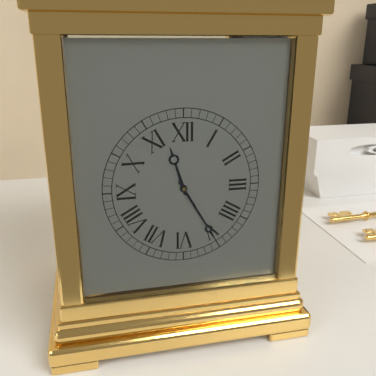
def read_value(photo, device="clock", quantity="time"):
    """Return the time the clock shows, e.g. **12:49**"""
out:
**11:25**
